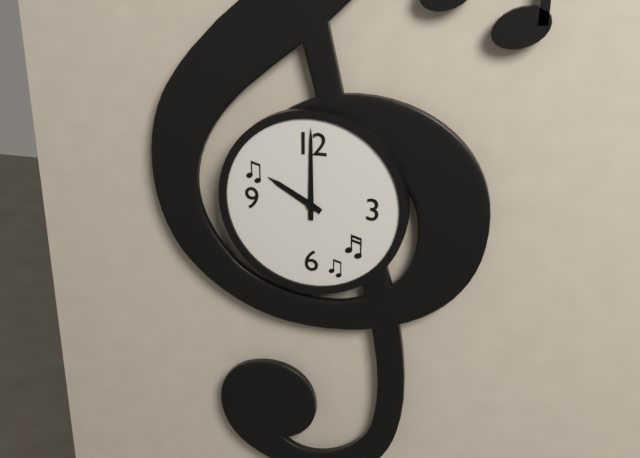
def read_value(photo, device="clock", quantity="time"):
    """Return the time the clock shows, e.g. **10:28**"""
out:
**10:00**
